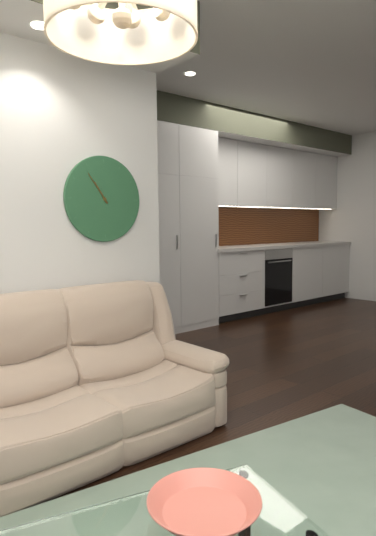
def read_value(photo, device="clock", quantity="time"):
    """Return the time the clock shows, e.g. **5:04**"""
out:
**10:54**
